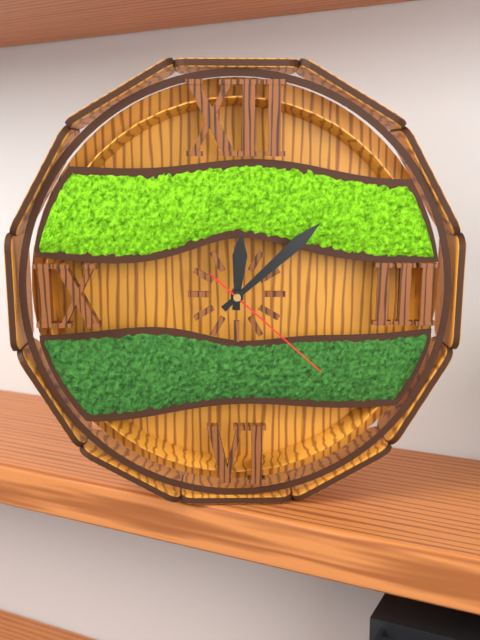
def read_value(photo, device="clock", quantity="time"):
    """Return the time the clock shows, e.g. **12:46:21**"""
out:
**12:08:22**
